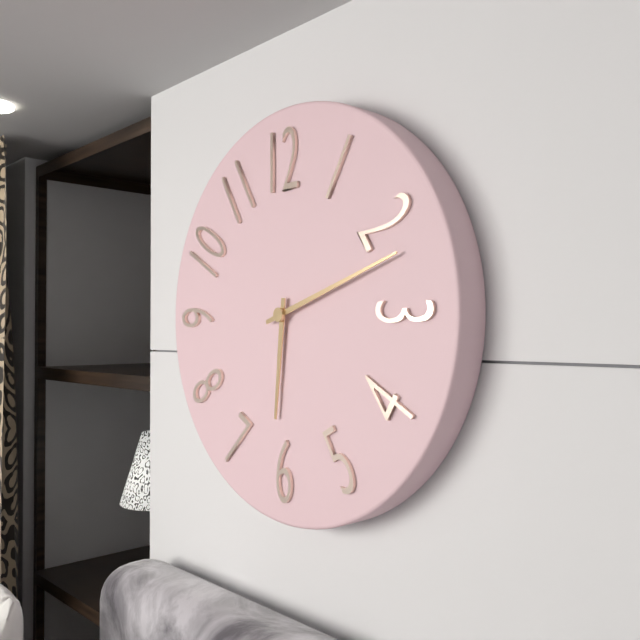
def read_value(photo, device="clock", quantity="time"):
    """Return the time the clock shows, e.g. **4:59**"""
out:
**6:12**
